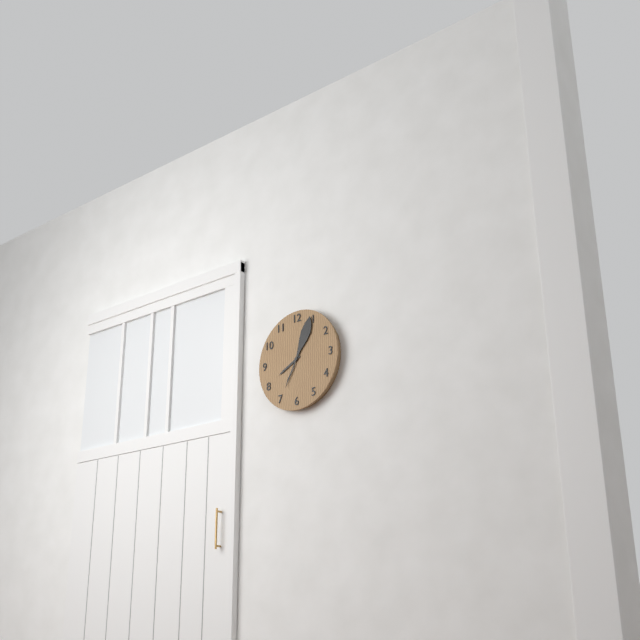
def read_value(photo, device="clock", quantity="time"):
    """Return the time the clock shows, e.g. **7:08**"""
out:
**8:04**
